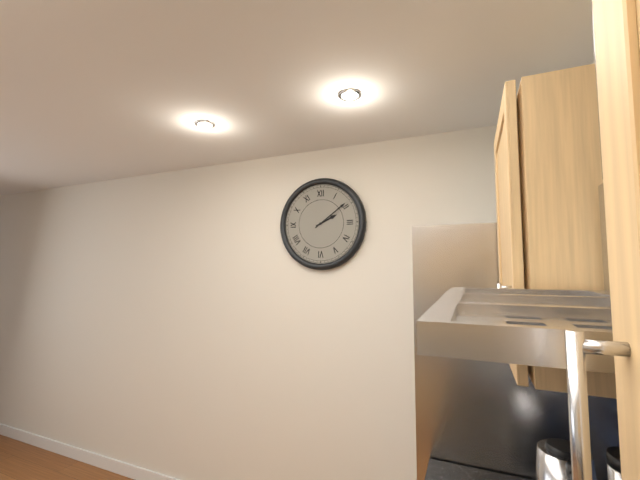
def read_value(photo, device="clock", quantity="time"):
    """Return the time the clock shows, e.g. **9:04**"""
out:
**2:09**
